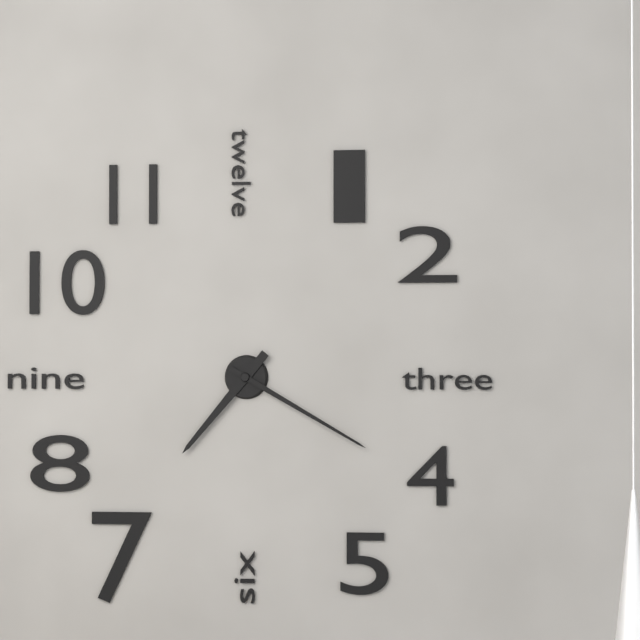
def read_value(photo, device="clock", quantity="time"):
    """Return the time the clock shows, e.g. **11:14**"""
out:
**7:20**
